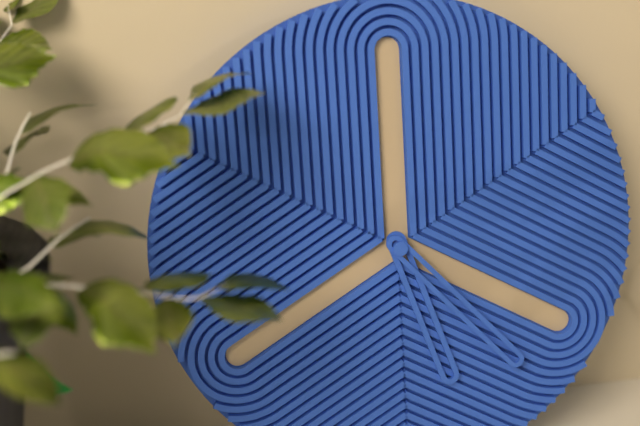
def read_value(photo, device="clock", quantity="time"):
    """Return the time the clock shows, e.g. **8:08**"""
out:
**5:23**
